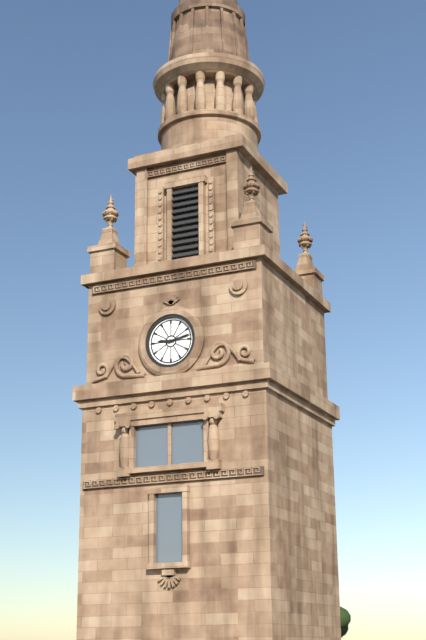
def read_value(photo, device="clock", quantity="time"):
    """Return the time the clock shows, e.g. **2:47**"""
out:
**9:13**
